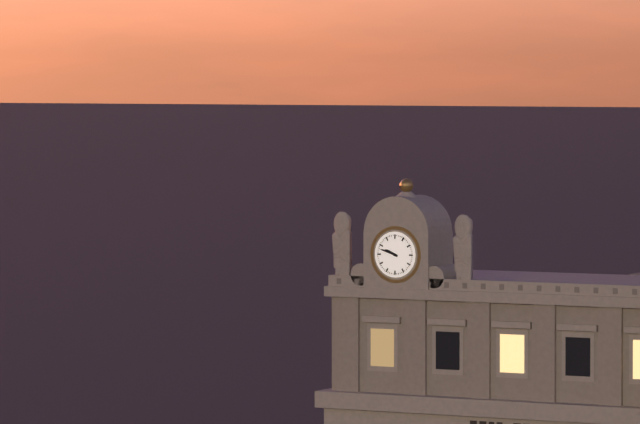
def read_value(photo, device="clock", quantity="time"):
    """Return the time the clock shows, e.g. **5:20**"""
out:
**9:48**
